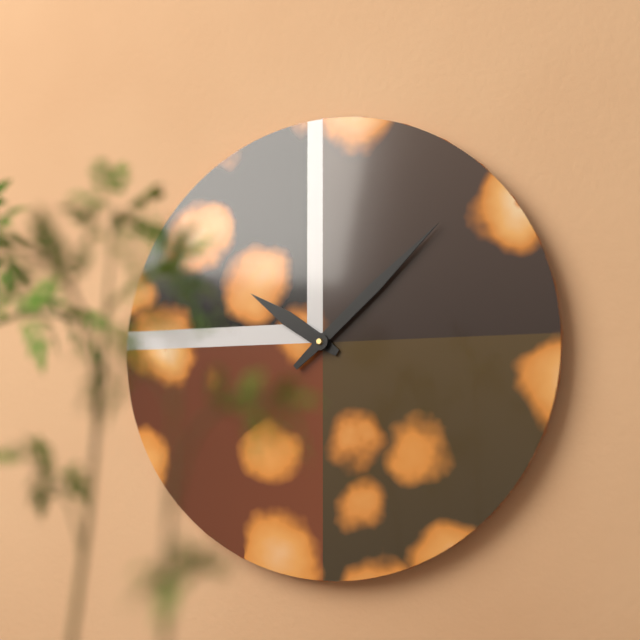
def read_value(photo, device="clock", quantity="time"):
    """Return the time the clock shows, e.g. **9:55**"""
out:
**10:08**
